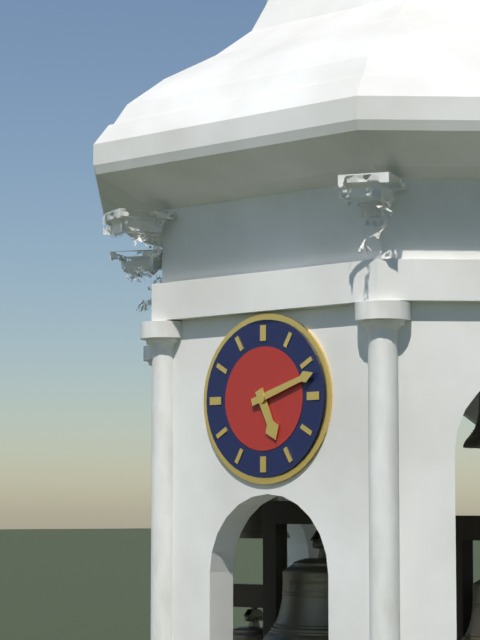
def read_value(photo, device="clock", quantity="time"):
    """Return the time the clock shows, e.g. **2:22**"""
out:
**5:12**
